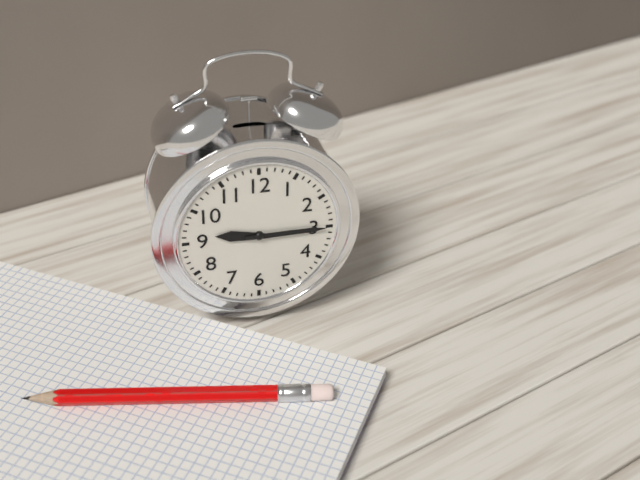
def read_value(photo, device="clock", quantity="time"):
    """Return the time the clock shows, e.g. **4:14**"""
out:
**9:15**
